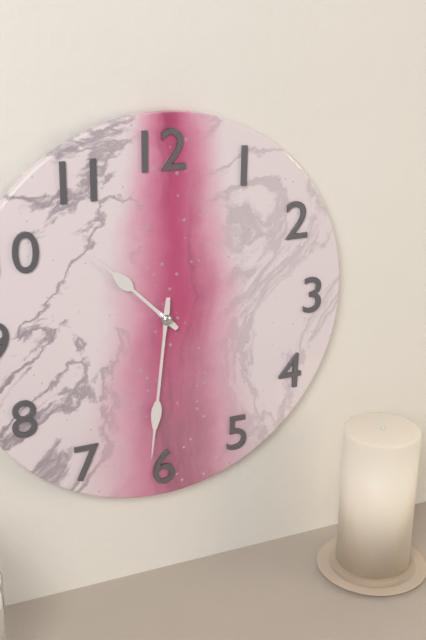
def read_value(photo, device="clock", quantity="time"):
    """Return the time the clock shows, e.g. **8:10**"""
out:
**10:31**
